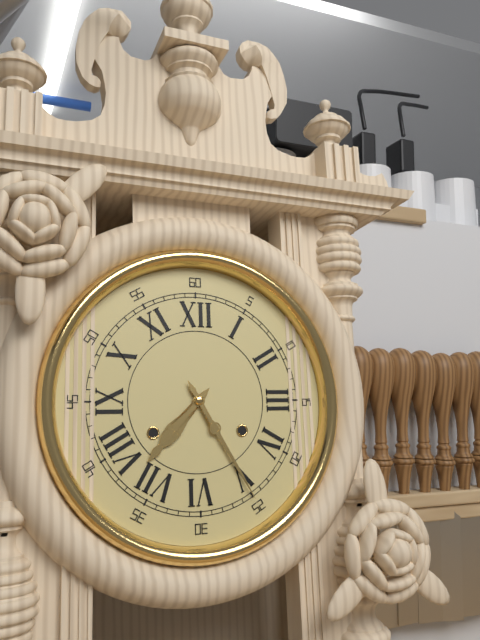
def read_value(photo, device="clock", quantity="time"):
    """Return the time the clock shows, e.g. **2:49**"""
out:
**7:25**
